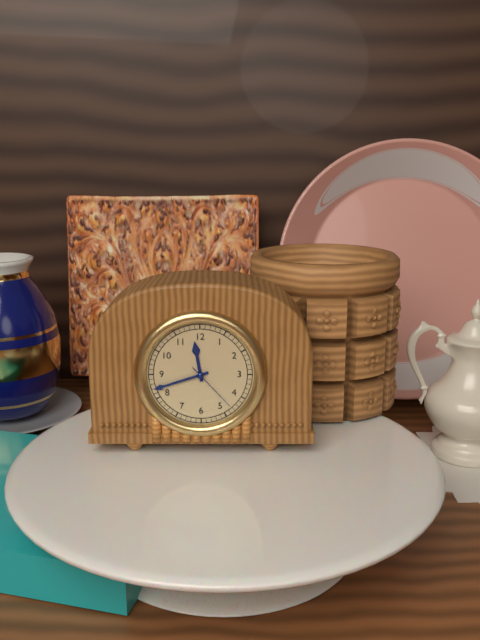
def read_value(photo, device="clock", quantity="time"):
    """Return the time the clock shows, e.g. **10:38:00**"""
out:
**11:42:23**
